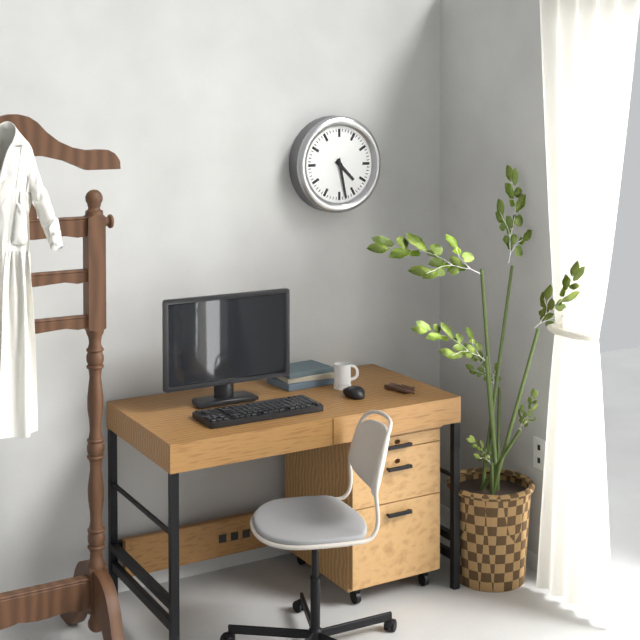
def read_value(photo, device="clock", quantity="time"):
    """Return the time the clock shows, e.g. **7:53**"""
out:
**4:28**
